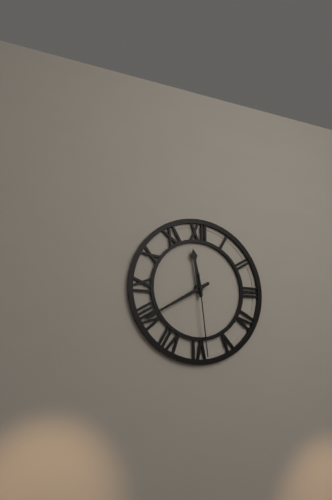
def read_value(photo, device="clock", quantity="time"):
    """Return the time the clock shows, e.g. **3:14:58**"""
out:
**11:40:29**
